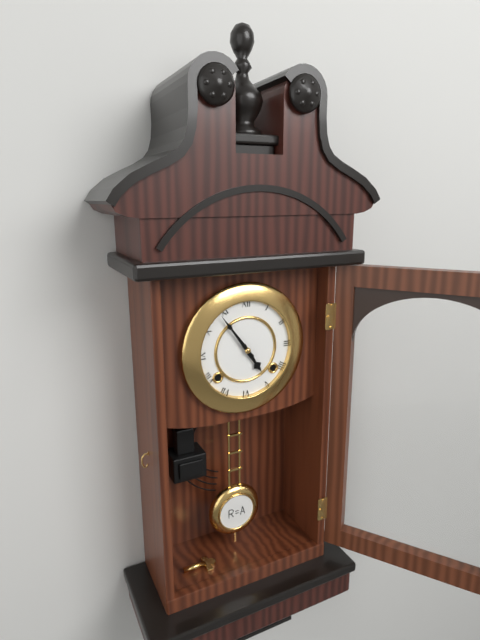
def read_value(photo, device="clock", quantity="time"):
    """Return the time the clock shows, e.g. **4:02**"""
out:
**4:54**
